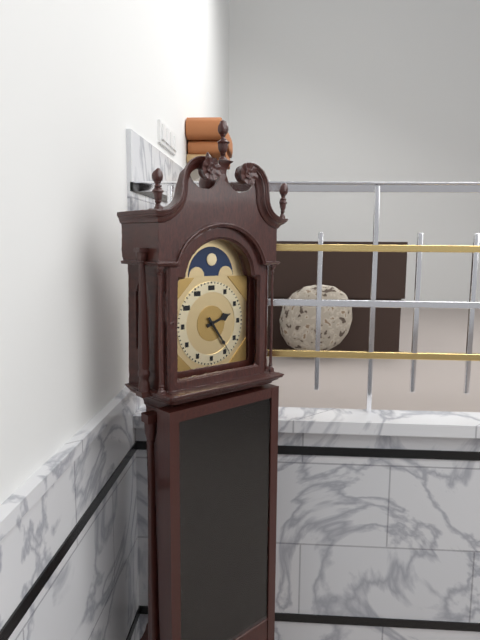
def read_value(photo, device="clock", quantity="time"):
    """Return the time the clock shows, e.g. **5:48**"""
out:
**2:24**
